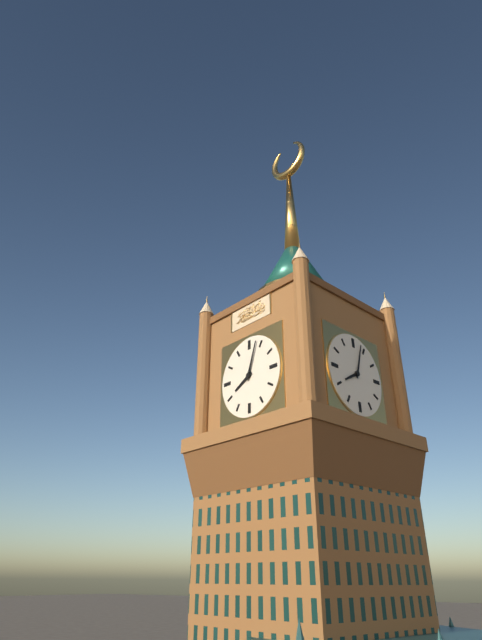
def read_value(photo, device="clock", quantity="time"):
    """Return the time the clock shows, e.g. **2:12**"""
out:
**8:03**
